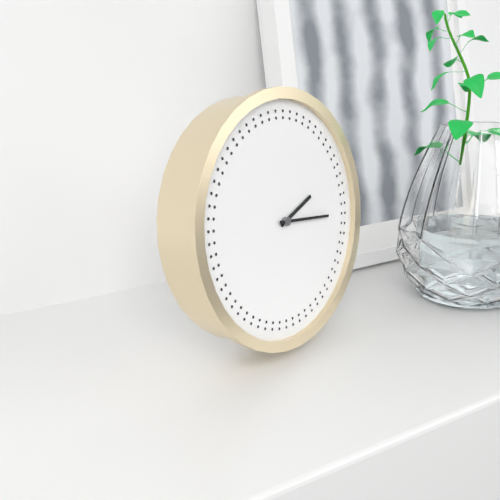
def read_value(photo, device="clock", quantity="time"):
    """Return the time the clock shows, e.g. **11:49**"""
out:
**2:16**
